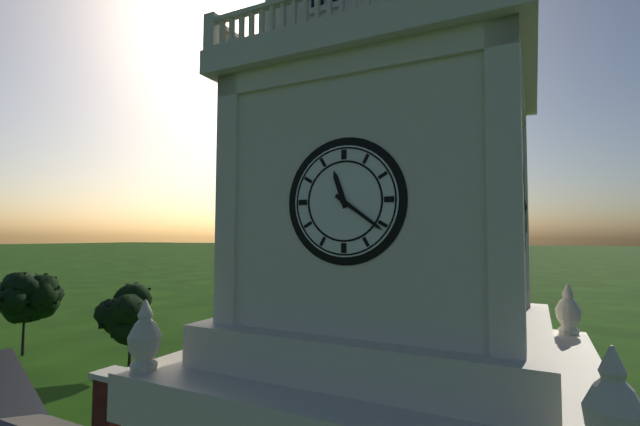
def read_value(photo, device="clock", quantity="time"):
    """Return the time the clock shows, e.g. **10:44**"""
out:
**11:21**
